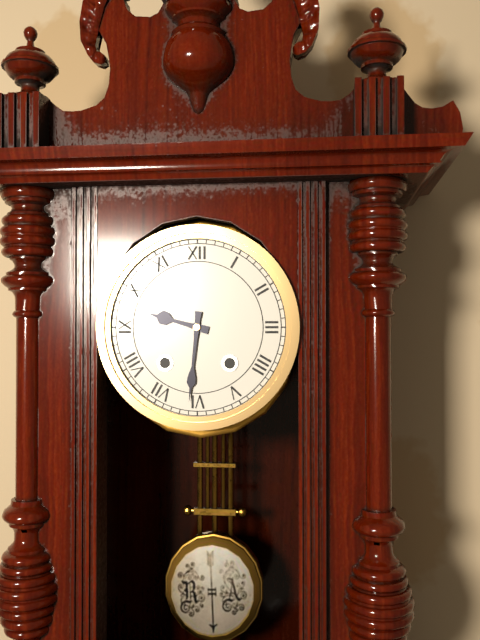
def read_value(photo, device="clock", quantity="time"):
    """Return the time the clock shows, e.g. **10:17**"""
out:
**9:31**
